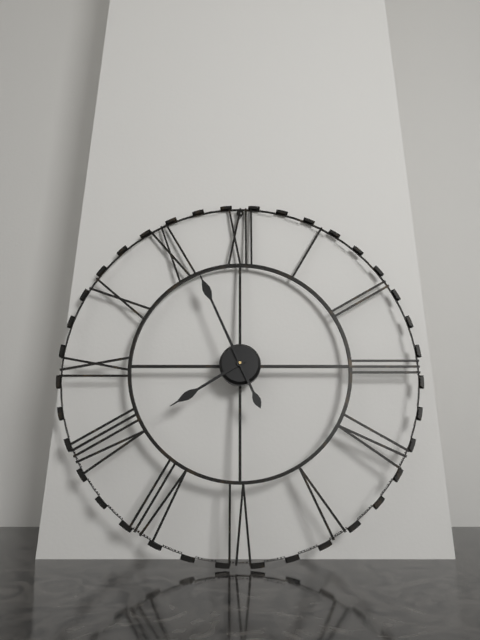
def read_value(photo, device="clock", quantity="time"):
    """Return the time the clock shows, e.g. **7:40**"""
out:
**7:56**
